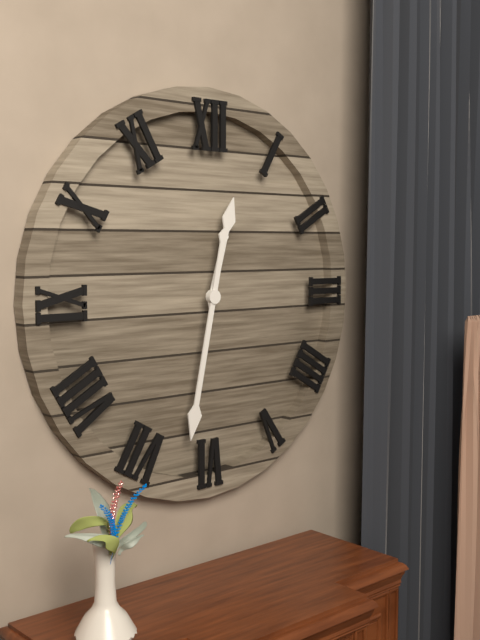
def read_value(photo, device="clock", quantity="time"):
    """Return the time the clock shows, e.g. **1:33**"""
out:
**12:32**
